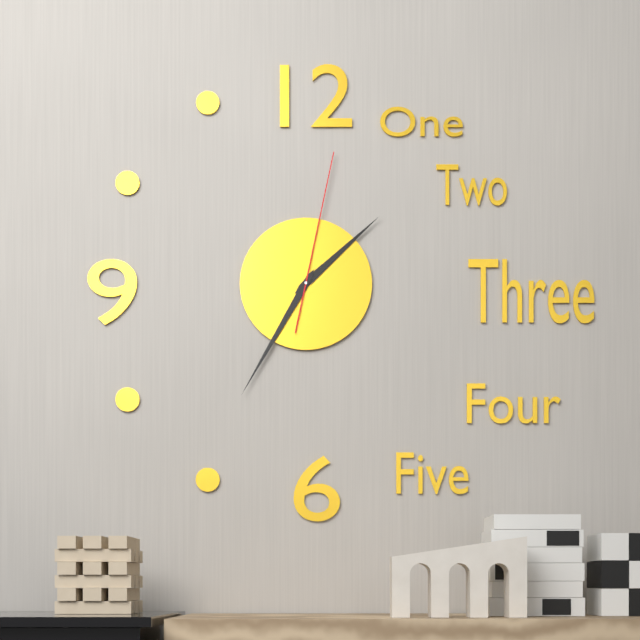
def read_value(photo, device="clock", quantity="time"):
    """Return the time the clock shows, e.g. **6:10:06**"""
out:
**1:35:02**
